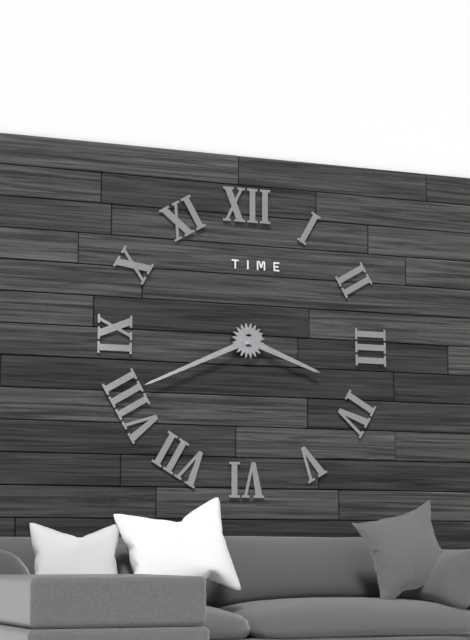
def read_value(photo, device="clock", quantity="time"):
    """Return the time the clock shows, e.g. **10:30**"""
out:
**3:41**
